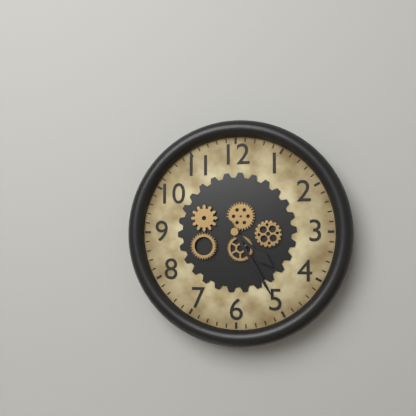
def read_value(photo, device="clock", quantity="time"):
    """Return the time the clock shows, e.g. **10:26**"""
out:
**4:25**
